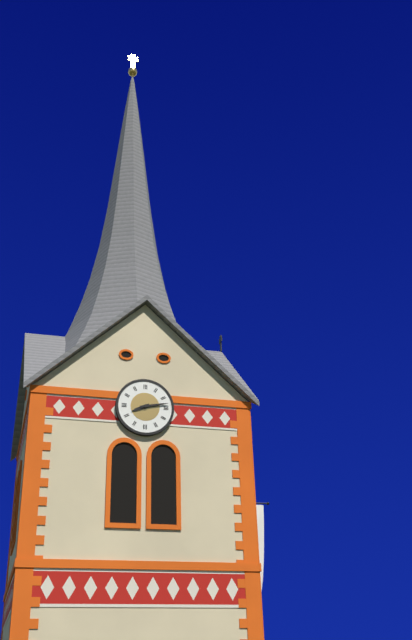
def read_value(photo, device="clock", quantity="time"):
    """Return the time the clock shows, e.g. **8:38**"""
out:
**8:13**
